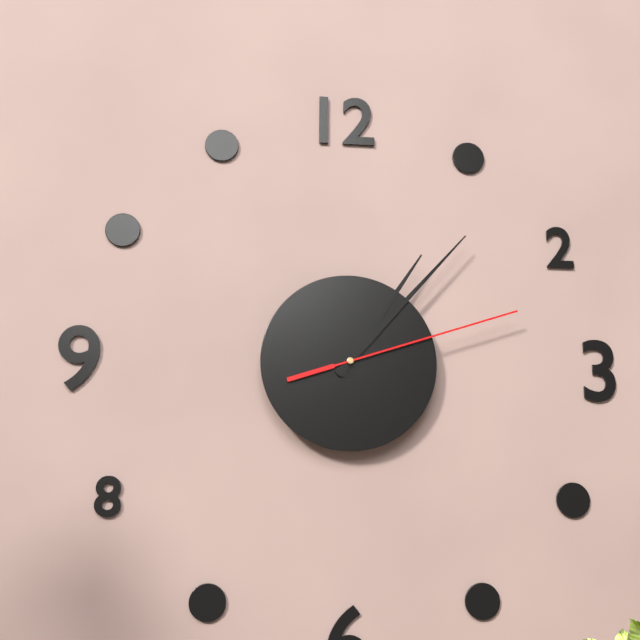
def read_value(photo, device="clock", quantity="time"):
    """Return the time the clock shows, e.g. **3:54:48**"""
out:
**1:07:12**
